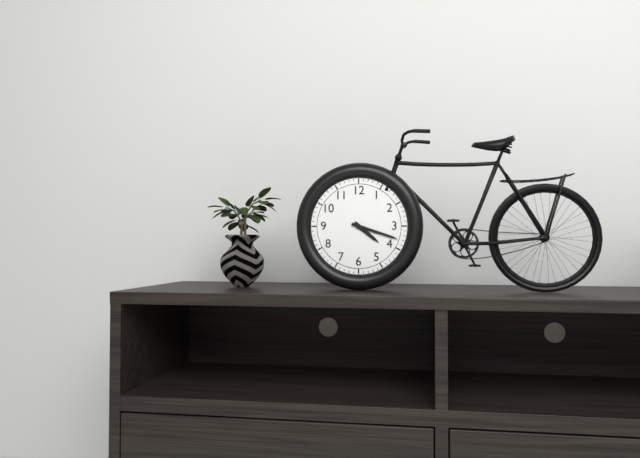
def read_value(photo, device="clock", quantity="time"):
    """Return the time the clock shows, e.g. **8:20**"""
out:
**4:18**
